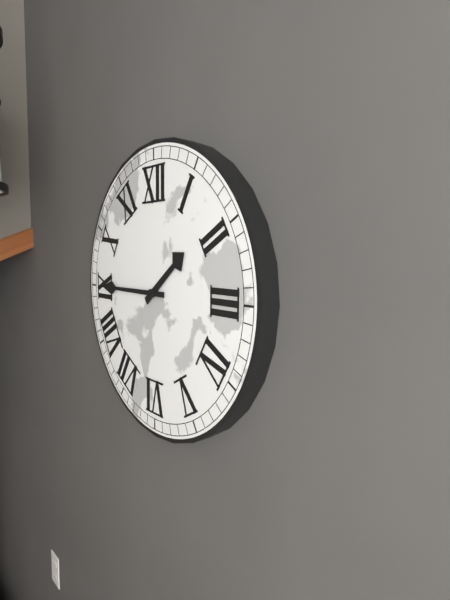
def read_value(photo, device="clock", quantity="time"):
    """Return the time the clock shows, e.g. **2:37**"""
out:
**1:45**
